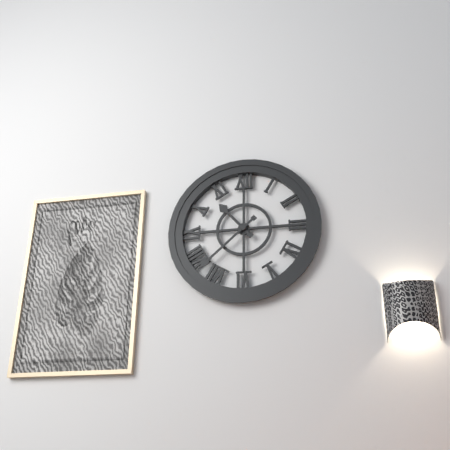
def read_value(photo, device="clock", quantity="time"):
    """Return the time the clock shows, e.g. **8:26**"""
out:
**10:38**
